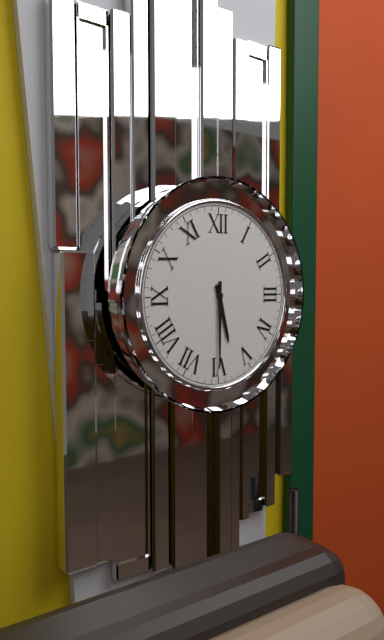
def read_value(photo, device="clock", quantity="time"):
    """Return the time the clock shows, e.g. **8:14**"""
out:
**5:30**
